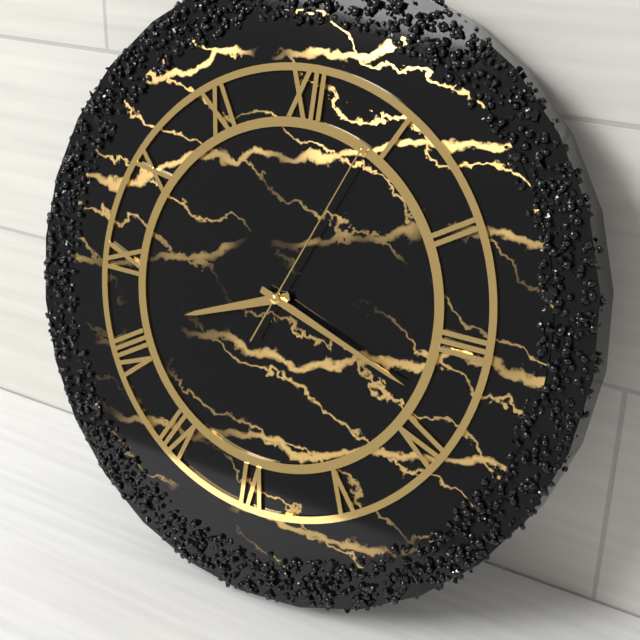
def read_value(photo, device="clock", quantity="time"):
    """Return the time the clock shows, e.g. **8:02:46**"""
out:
**8:18:04**
